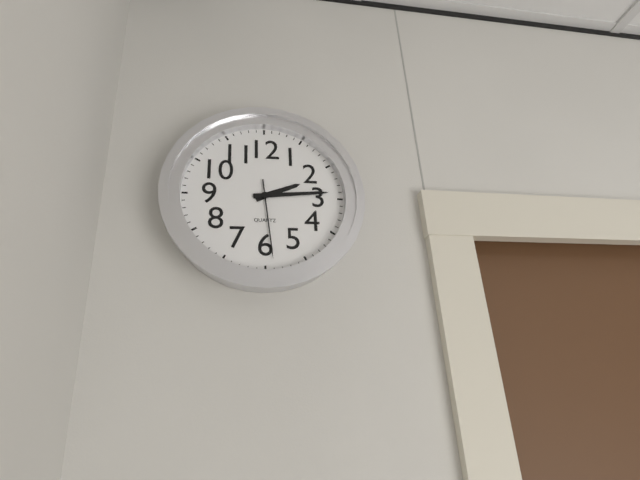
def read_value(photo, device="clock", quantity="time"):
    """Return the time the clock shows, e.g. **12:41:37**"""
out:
**2:14:29**
